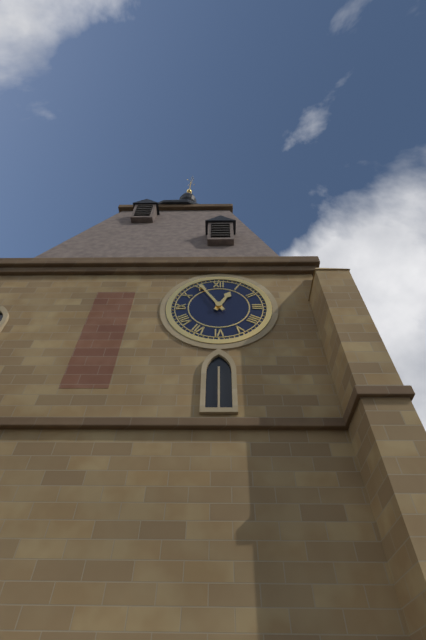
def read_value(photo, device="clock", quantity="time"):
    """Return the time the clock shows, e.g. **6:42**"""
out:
**12:55**
